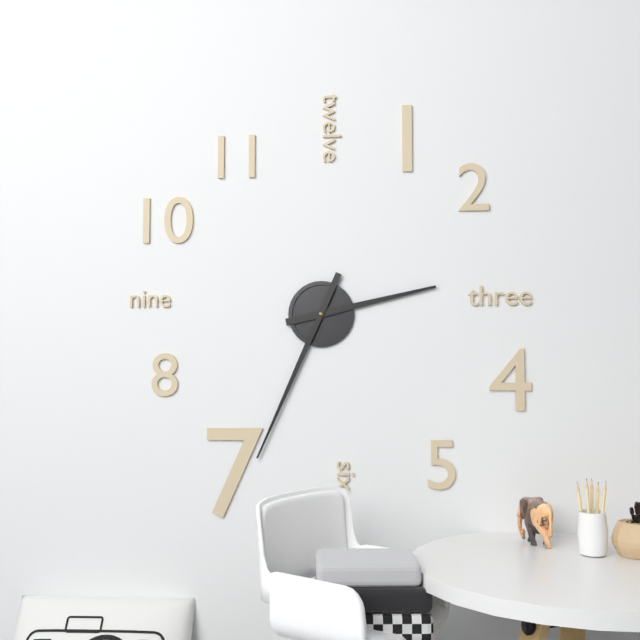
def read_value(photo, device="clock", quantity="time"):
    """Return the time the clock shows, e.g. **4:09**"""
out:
**2:34**
